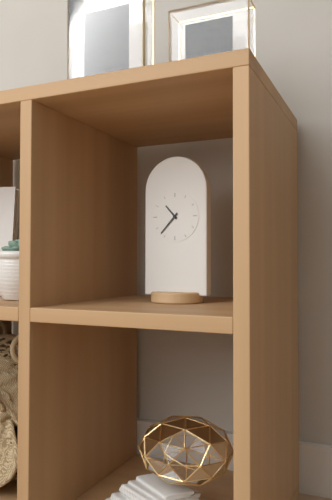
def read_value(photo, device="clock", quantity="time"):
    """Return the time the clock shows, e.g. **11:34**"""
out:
**10:37**
